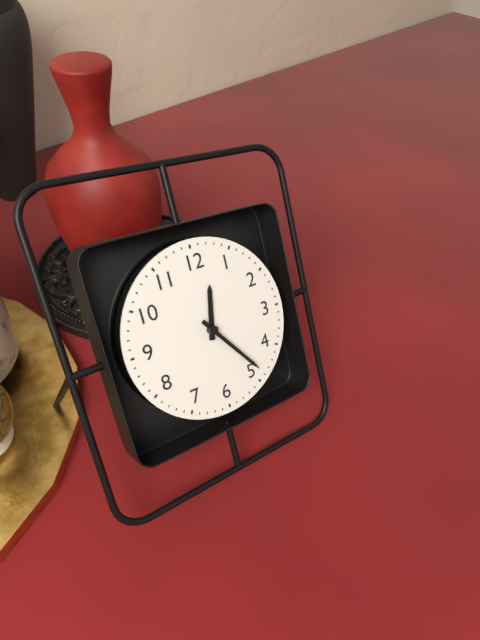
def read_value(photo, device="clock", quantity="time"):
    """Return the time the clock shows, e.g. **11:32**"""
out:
**12:24**
